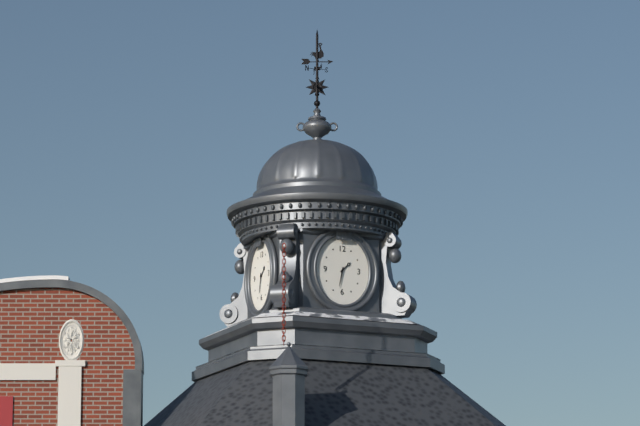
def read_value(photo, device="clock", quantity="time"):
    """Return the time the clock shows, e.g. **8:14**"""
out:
**1:32**
